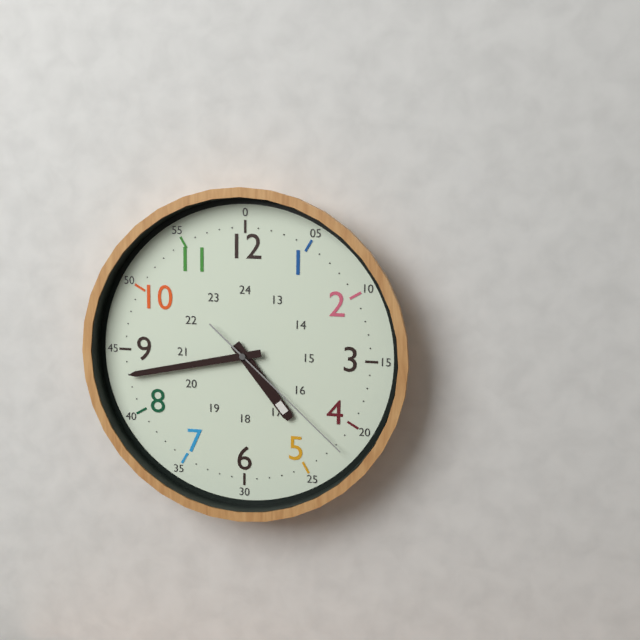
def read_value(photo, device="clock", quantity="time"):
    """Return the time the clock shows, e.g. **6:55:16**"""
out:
**4:43:22**
